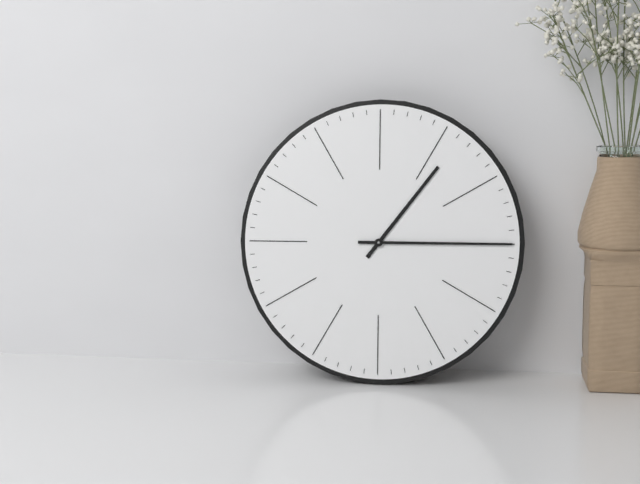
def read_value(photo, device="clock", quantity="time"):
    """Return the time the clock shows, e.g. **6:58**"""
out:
**1:15**
